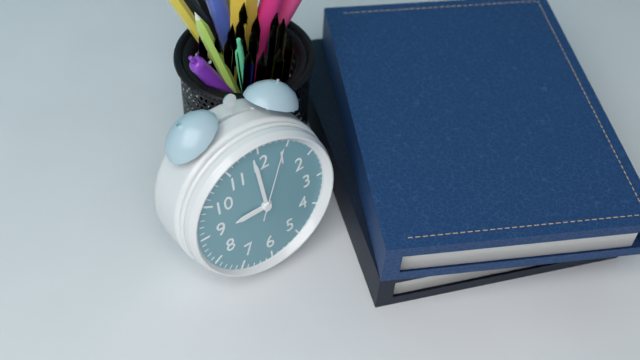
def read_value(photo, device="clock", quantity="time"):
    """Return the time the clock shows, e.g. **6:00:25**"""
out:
**8:59:04**
